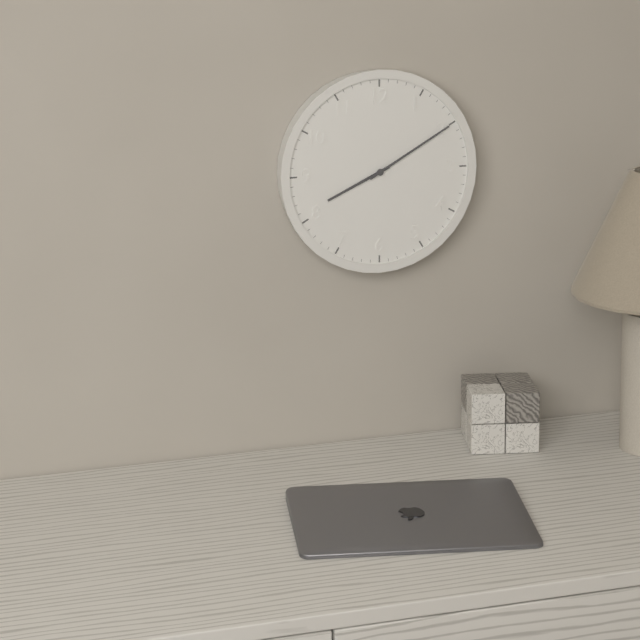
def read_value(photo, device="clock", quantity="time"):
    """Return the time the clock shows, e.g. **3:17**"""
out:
**8:10**
